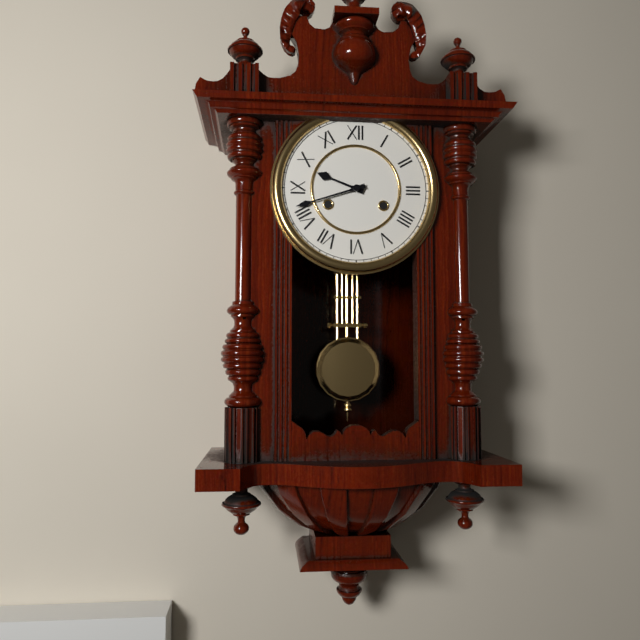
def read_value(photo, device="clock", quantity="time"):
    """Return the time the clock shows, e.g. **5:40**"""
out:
**9:42**
